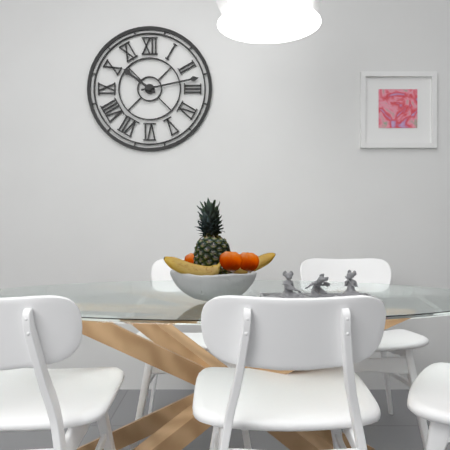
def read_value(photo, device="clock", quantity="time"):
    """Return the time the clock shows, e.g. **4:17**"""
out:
**10:13**
